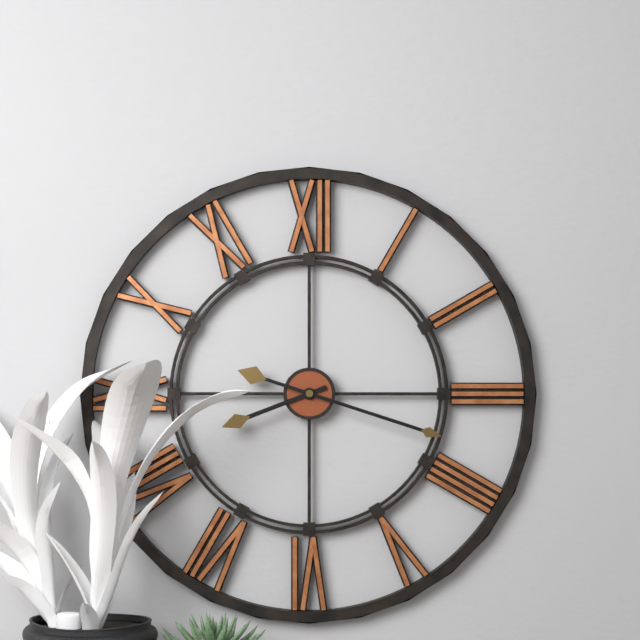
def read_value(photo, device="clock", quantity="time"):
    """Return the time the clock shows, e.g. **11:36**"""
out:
**8:18**
